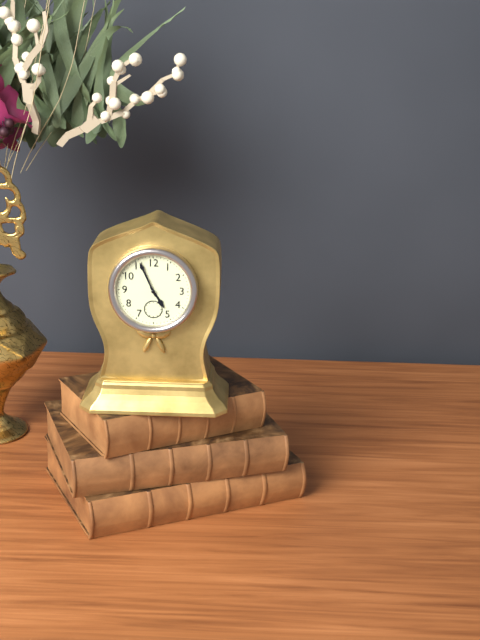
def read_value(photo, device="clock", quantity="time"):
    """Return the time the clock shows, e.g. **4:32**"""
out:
**4:56**
